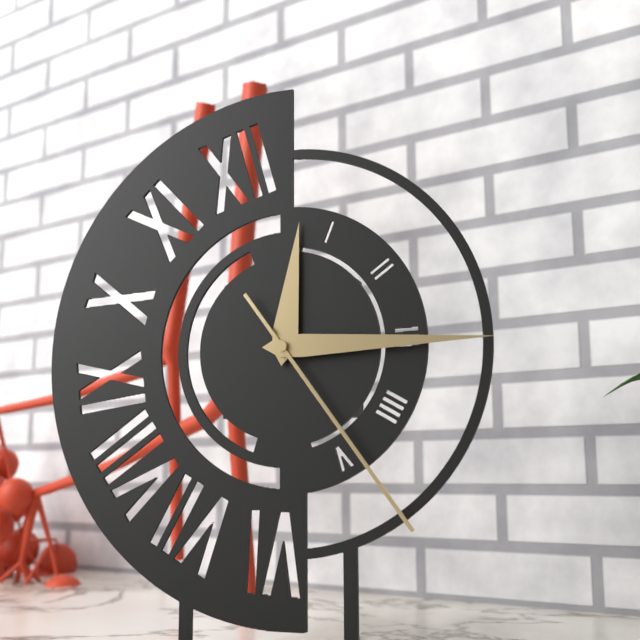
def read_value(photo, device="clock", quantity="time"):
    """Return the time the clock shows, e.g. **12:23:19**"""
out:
**12:15:24**
